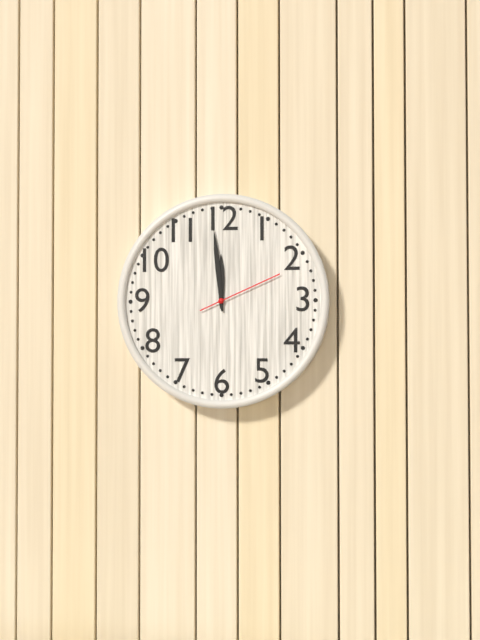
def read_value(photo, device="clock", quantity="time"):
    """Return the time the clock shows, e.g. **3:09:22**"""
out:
**11:59:11**
